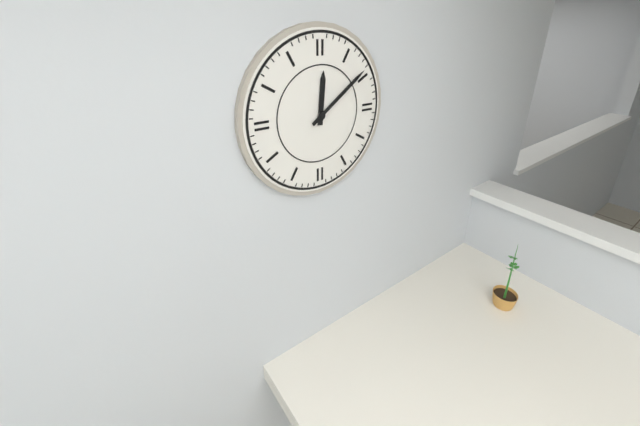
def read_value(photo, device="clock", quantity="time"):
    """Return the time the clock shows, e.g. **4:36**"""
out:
**12:09**
